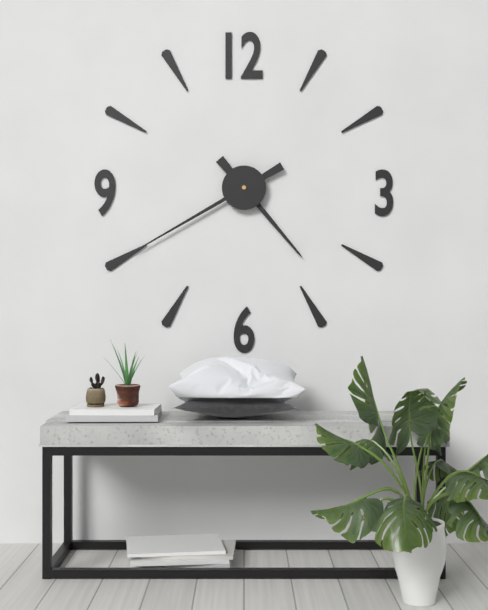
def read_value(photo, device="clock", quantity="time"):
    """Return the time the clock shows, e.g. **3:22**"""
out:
**4:40**
